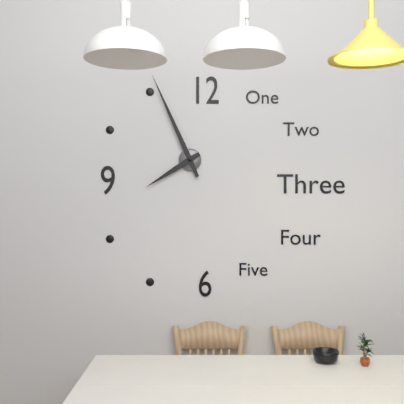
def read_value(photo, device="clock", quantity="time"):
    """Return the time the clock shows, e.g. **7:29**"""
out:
**7:56**
